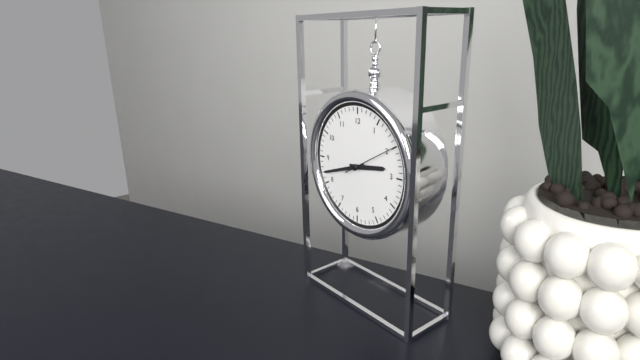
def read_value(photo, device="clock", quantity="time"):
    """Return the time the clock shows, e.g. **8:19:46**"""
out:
**2:42:10**
